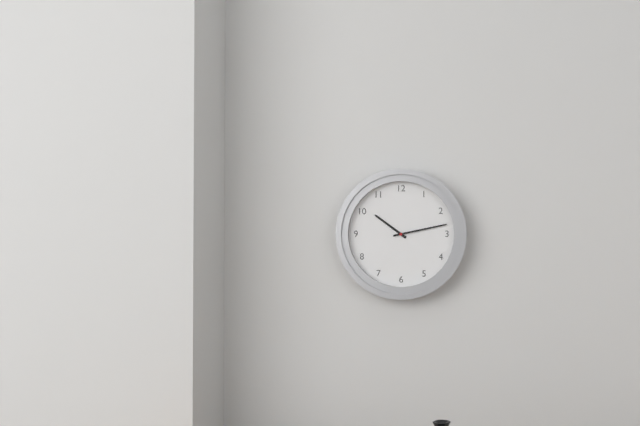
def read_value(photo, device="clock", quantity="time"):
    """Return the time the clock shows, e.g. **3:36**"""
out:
**10:13**
